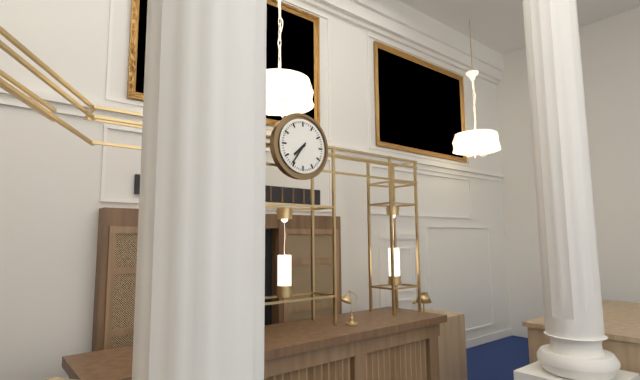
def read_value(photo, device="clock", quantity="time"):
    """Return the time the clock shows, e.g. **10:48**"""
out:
**7:36**
